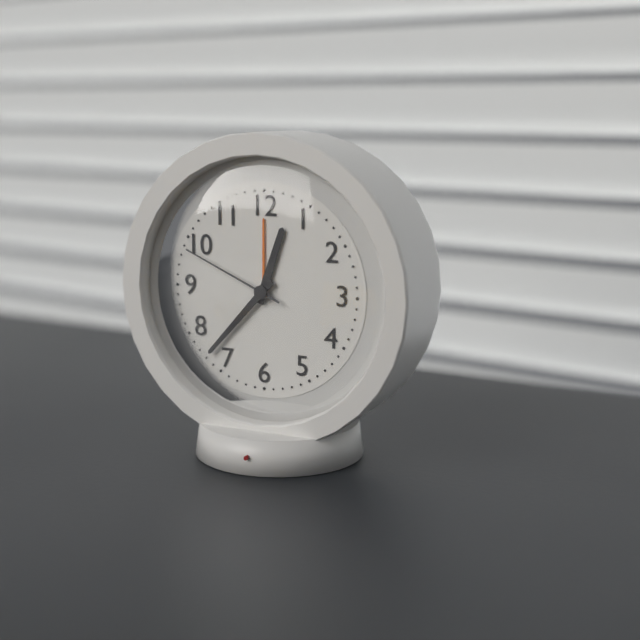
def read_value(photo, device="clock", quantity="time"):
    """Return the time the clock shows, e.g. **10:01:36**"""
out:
**12:37:49**
